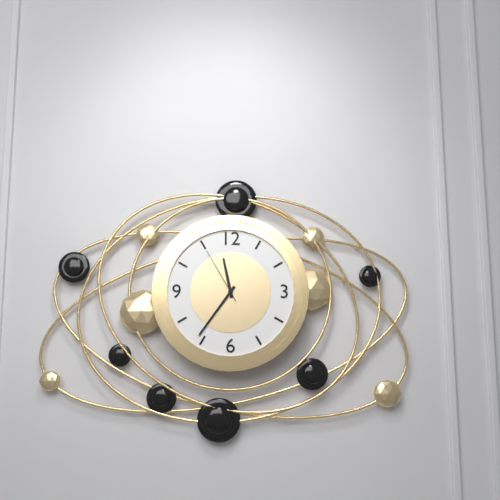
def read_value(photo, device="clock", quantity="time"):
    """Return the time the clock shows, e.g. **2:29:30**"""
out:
**11:36:55**
